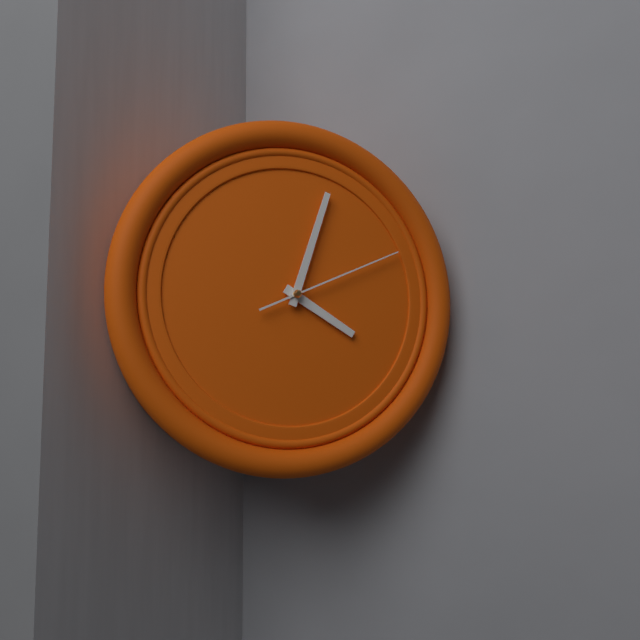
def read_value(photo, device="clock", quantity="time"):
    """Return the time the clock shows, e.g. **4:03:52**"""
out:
**4:03:11**
